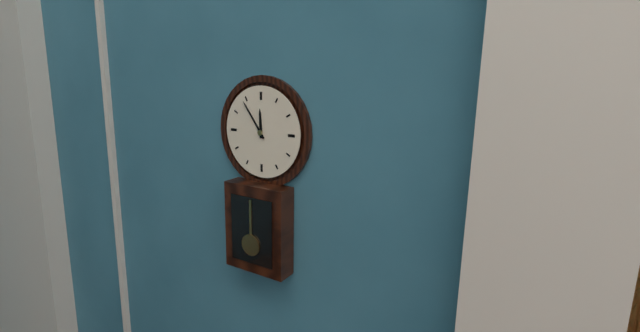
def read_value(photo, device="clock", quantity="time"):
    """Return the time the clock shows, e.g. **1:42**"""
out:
**11:54**
